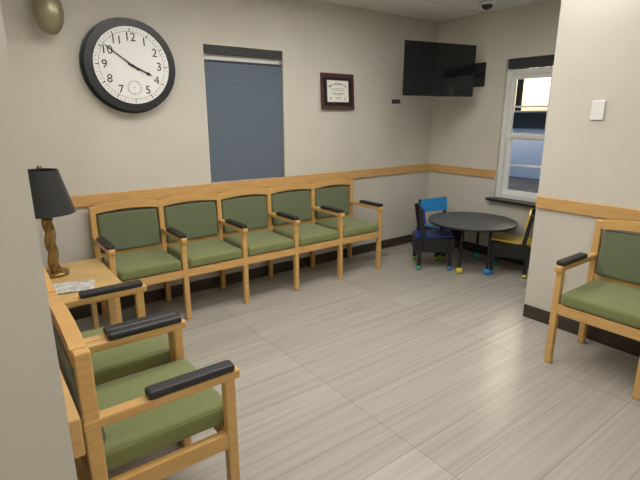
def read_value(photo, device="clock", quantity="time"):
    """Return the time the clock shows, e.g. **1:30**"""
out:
**3:51**
